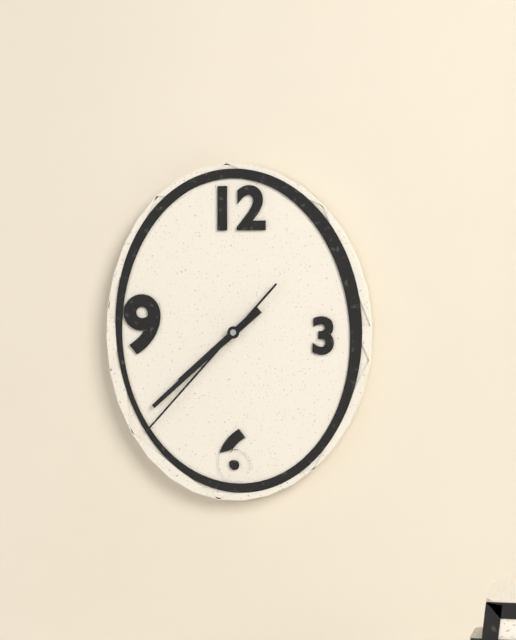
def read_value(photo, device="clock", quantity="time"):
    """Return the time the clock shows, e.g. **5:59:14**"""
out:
**7:38:37**
